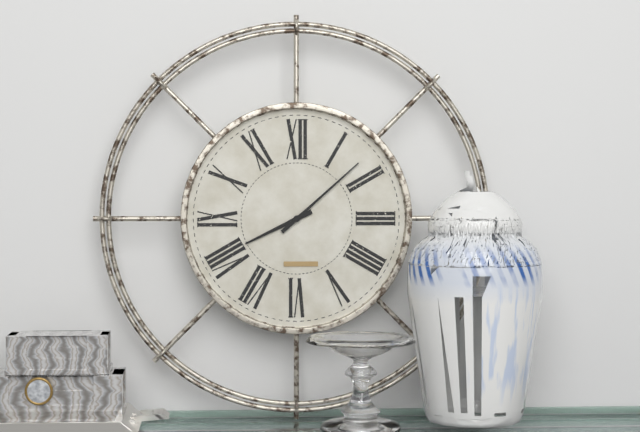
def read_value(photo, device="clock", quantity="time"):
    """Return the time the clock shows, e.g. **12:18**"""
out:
**8:08**
